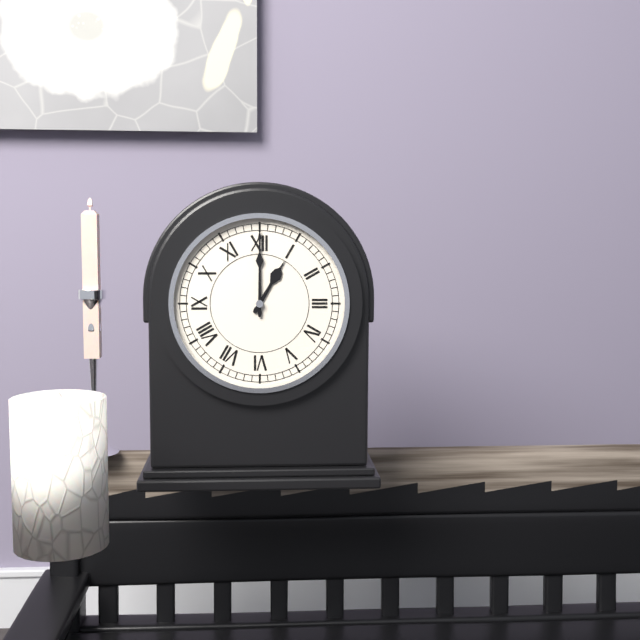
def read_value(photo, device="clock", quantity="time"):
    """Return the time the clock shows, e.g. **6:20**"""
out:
**1:00**
